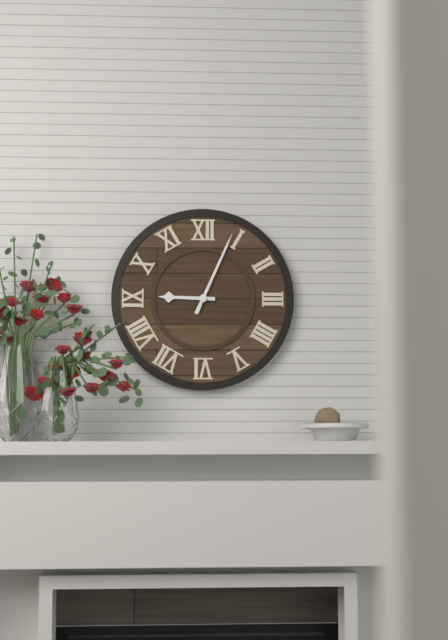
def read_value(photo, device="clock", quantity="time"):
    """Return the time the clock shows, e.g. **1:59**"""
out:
**9:04**
